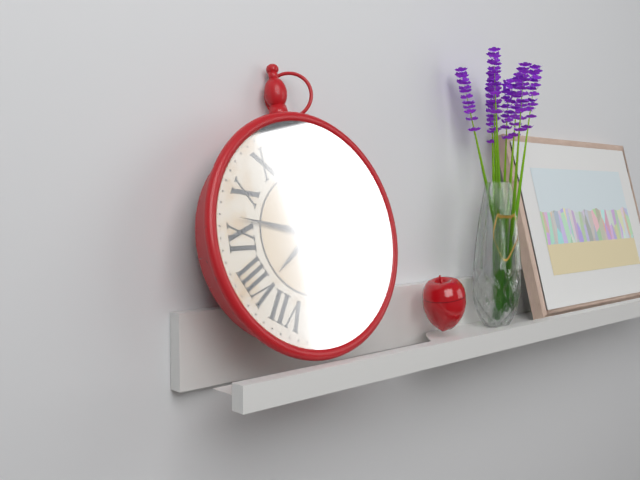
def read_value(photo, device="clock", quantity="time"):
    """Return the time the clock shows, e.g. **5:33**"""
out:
**7:47**
